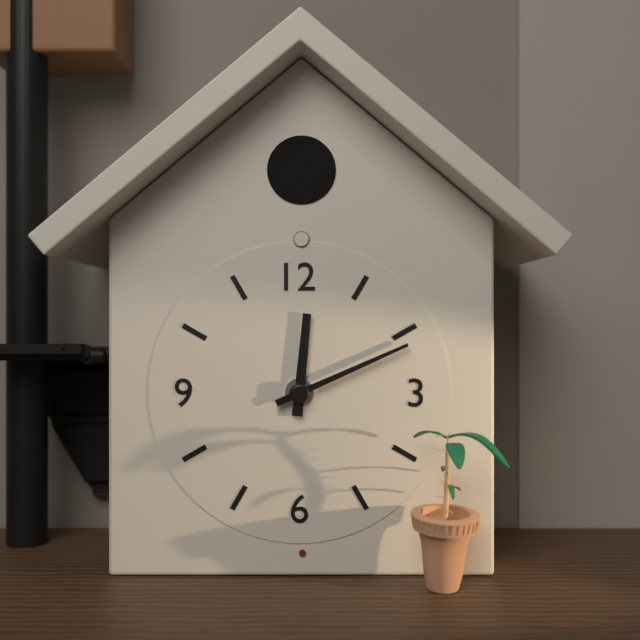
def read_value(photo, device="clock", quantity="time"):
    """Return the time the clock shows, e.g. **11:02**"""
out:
**12:11**
